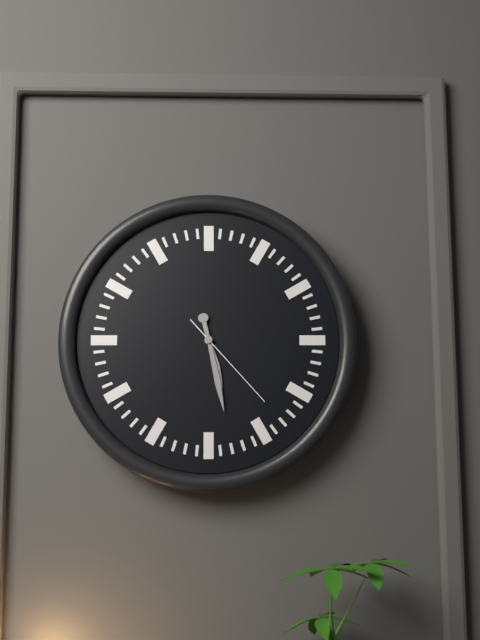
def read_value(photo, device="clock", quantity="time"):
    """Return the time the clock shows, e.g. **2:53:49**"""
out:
**5:28:23**
